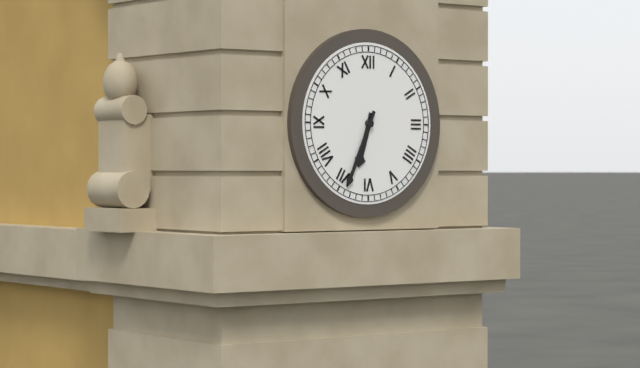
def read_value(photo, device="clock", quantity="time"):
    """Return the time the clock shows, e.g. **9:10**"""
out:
**6:34**
